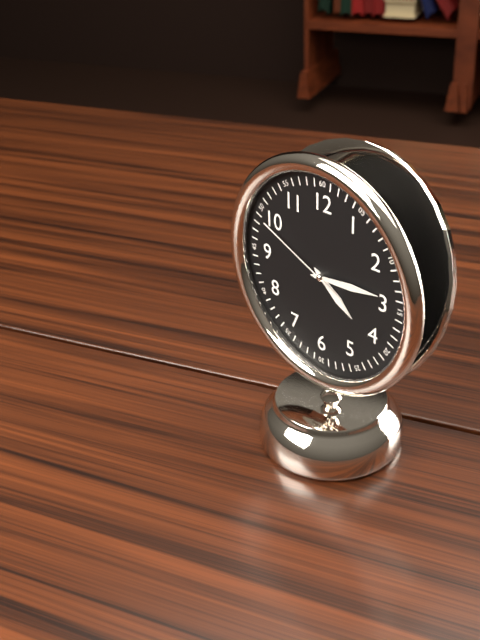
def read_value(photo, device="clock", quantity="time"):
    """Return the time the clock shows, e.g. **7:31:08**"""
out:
**4:14:49**
